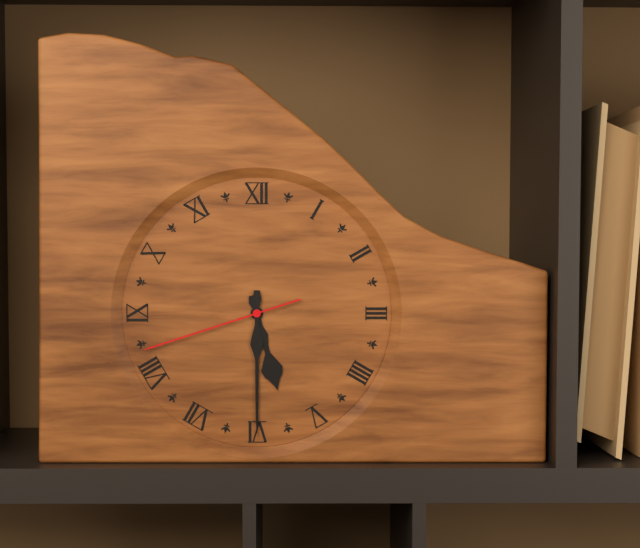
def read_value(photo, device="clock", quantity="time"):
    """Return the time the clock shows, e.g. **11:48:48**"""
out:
**5:30:42**
